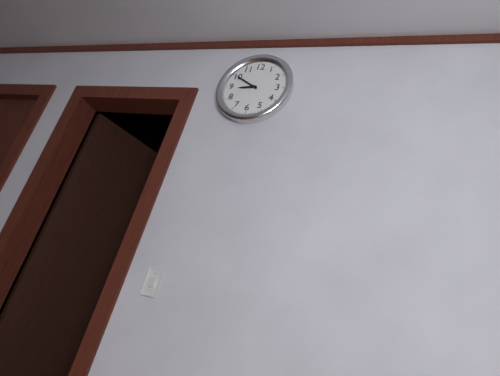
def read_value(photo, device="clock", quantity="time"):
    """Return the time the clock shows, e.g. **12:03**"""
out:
**8:50**
